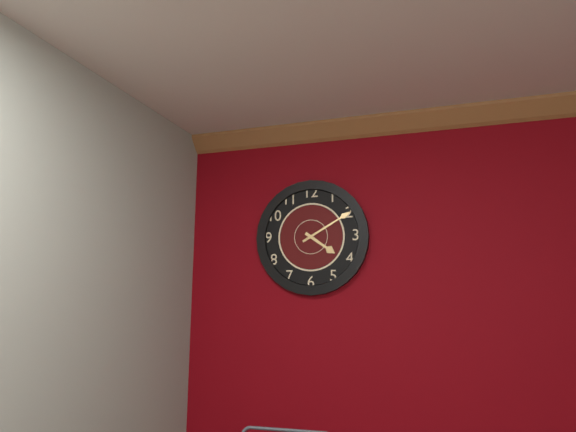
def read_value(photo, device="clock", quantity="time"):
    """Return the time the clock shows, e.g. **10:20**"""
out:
**4:10**
